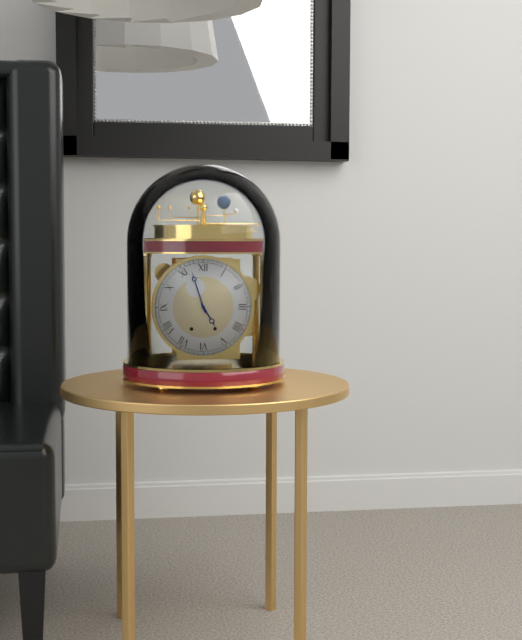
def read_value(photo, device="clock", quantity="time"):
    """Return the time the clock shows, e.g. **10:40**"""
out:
**4:57**
